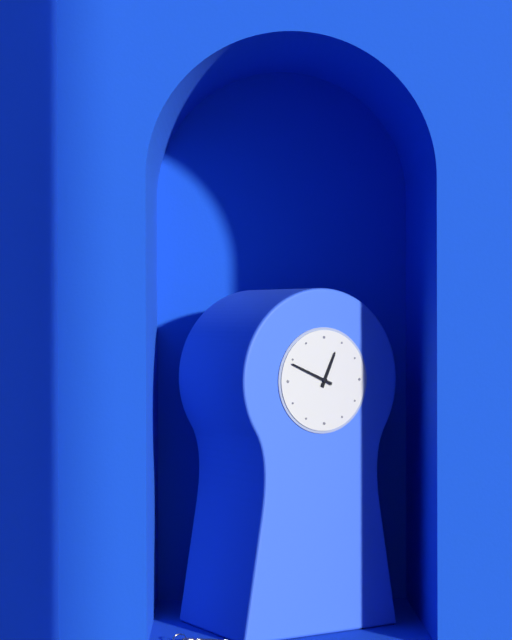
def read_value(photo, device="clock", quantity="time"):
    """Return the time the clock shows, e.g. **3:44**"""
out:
**12:49**
